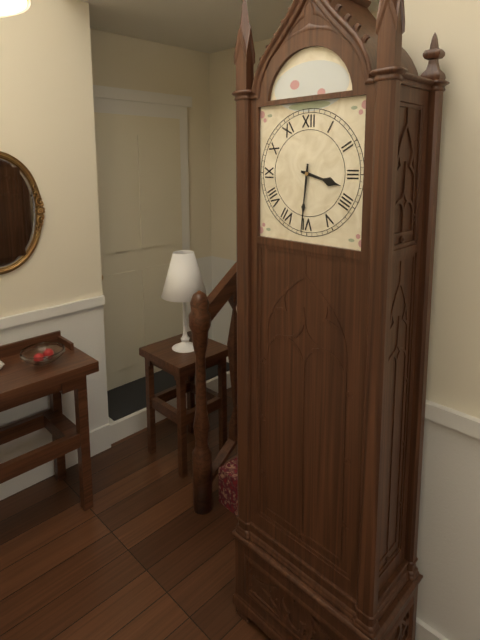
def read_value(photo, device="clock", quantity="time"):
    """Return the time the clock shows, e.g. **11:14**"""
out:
**3:31**
